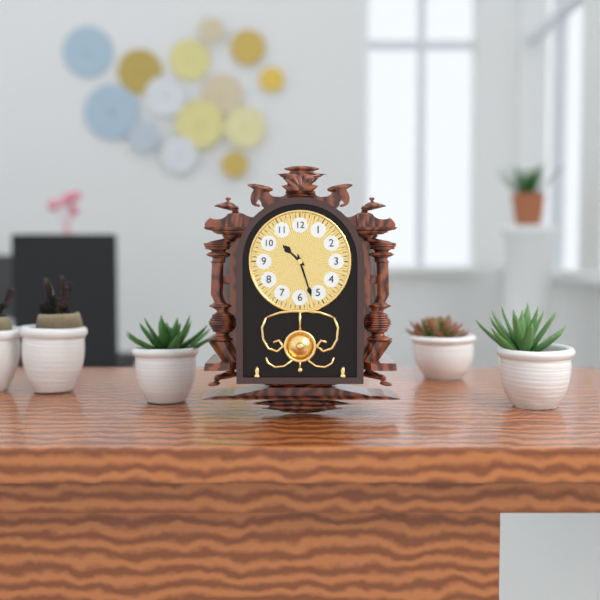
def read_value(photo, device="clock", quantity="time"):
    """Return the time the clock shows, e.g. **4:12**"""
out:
**10:27**
